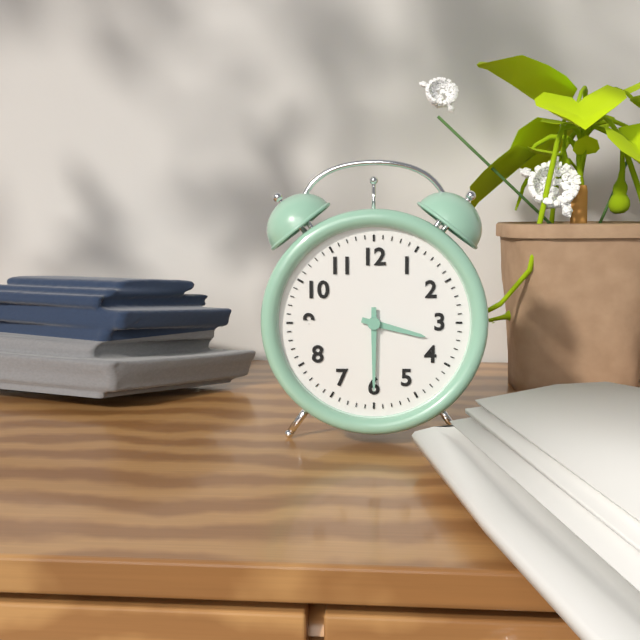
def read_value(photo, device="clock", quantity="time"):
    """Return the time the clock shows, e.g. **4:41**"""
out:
**3:30**
